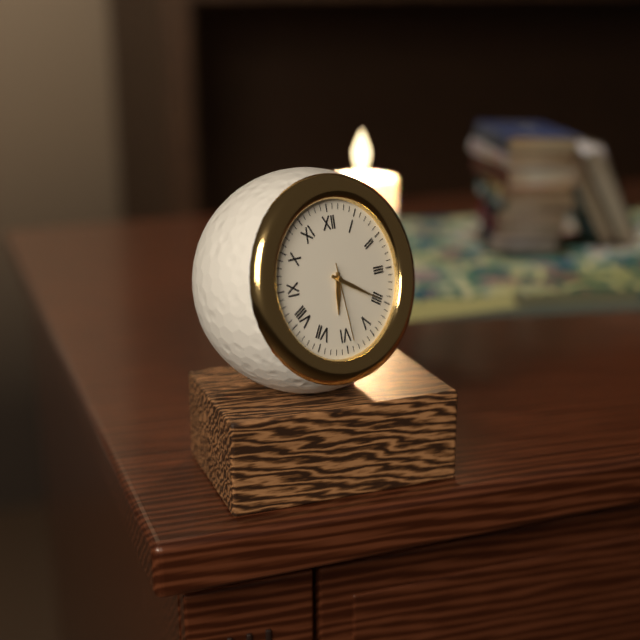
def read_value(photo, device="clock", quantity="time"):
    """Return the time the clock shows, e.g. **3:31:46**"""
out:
**6:20:29**
